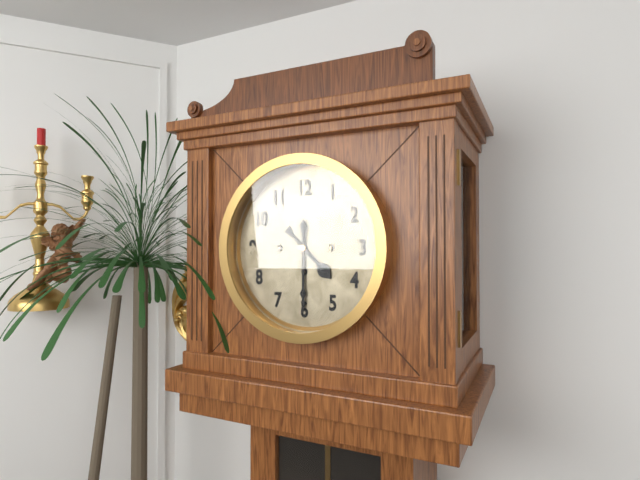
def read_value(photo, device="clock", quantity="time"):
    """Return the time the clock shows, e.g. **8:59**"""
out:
**4:30**
